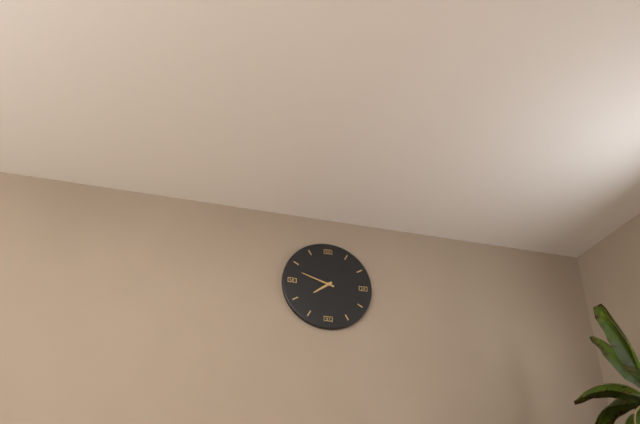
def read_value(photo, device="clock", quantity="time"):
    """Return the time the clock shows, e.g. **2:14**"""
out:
**7:48**
